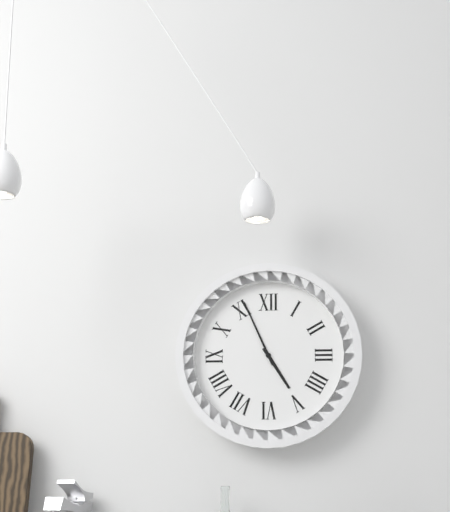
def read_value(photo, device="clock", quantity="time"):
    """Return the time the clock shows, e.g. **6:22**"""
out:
**4:56**
